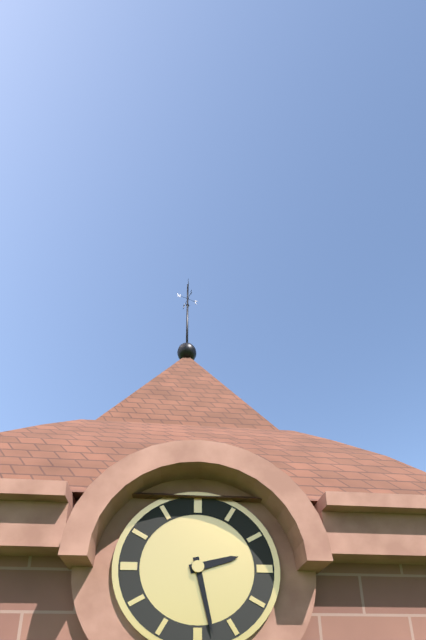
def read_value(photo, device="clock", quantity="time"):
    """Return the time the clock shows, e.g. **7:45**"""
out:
**2:28**
